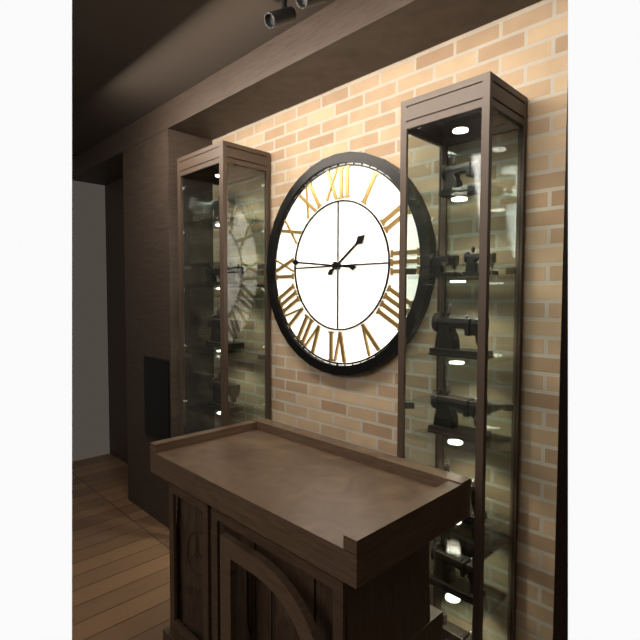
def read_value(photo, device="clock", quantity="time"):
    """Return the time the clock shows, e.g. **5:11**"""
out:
**1:46**
